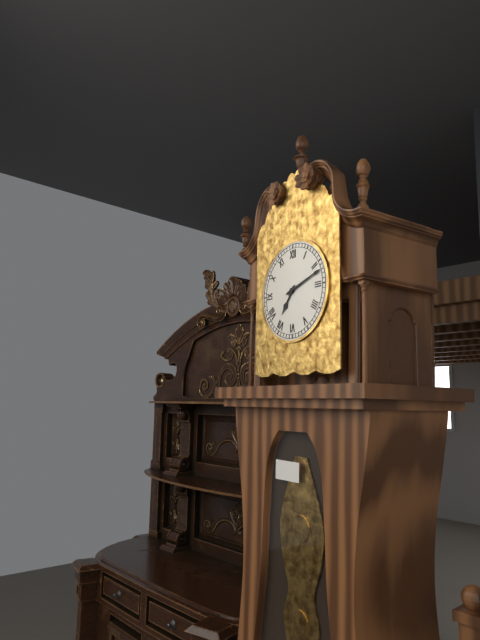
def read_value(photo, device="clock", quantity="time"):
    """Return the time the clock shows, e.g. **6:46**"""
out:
**7:12**
